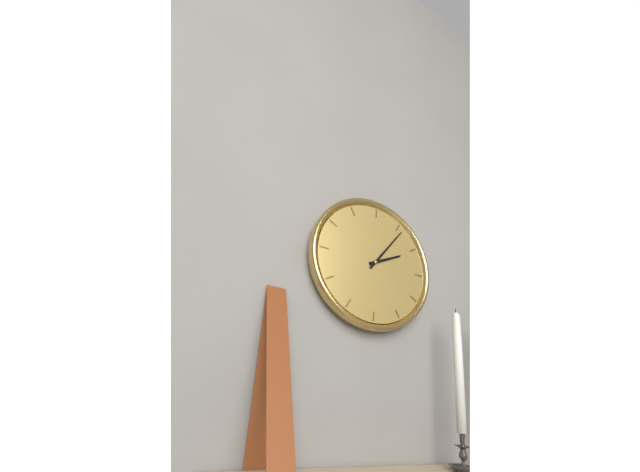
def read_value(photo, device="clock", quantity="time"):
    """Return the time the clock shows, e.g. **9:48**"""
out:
**2:06**
